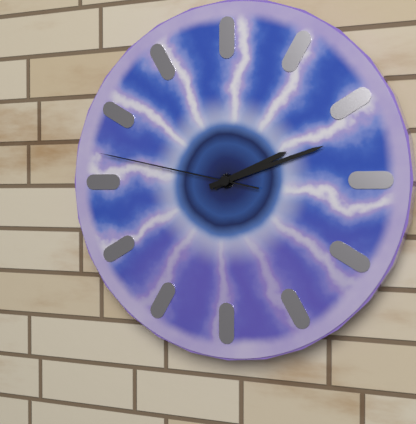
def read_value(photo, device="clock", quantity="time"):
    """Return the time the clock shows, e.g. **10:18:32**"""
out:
**2:12:47**
